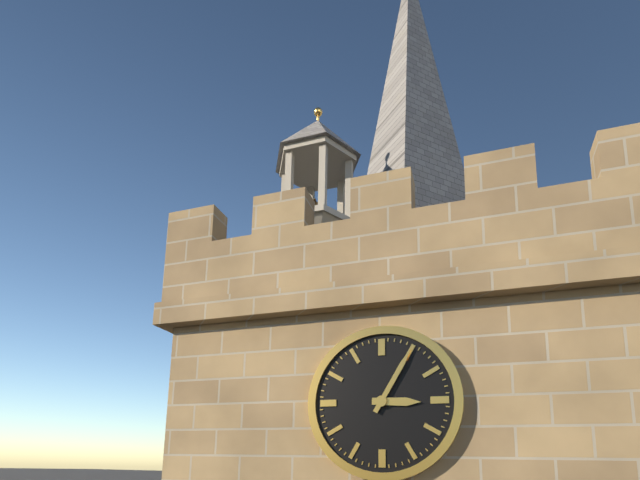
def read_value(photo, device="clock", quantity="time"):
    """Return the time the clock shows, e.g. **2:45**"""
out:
**3:05**
